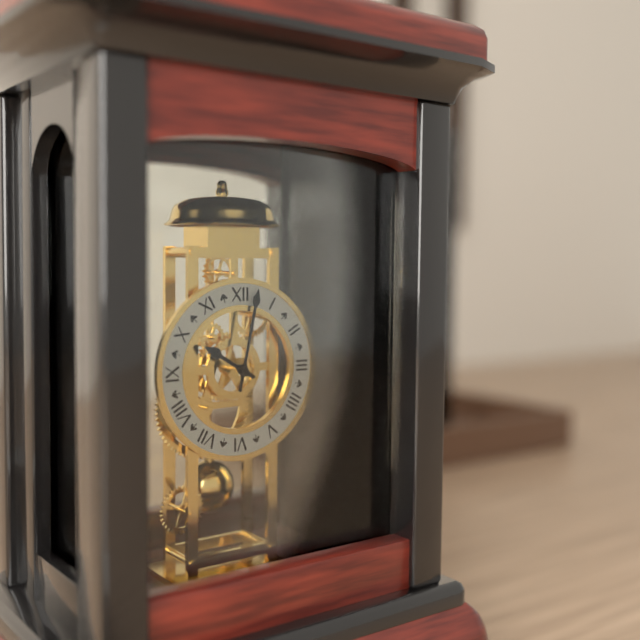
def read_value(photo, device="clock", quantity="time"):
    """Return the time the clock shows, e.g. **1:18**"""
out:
**10:02**
